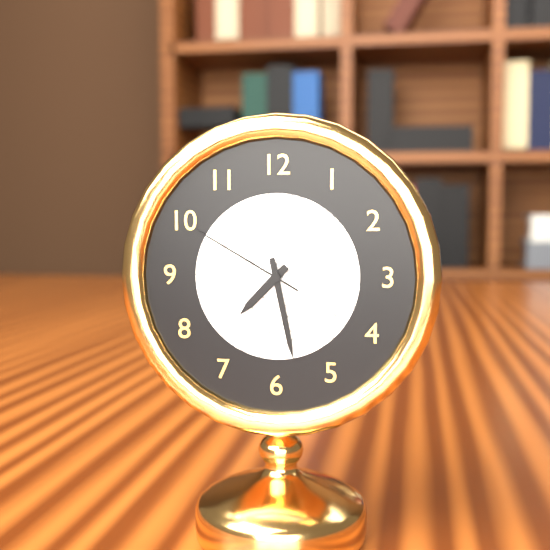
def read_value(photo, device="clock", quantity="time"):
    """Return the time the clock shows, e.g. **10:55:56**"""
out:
**7:28:50**
